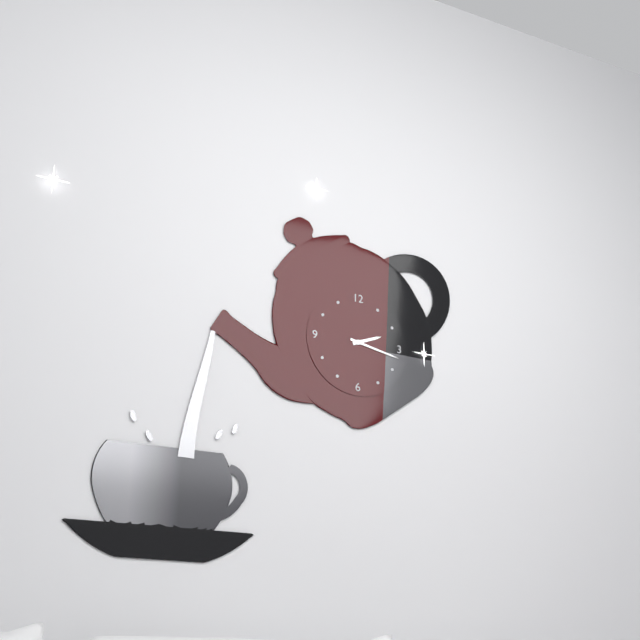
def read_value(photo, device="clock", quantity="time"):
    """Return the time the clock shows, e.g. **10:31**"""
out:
**2:17**
